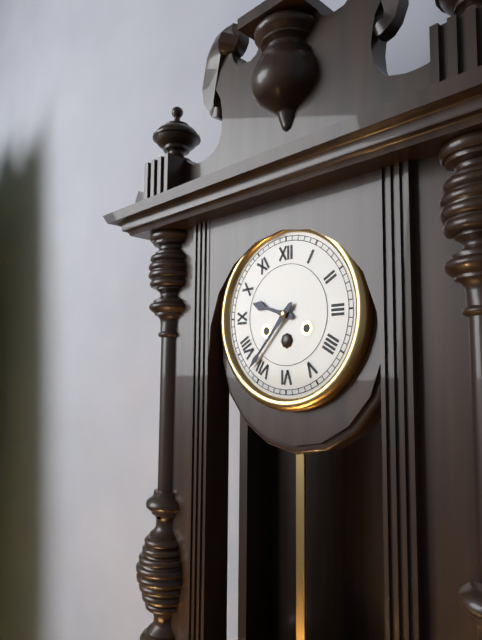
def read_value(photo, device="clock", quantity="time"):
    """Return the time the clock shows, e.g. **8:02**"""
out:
**9:37**
